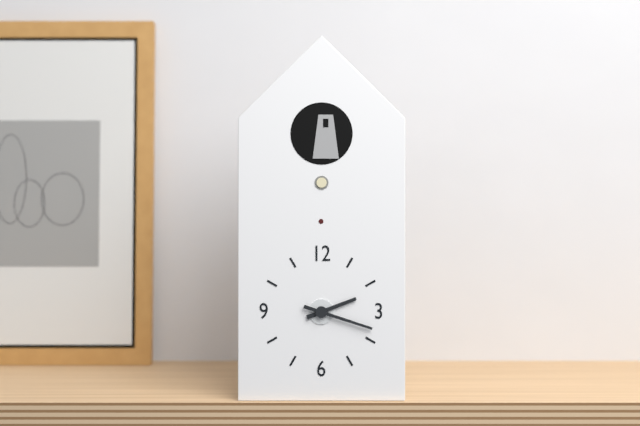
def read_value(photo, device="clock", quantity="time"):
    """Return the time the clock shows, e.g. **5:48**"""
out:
**2:18**
